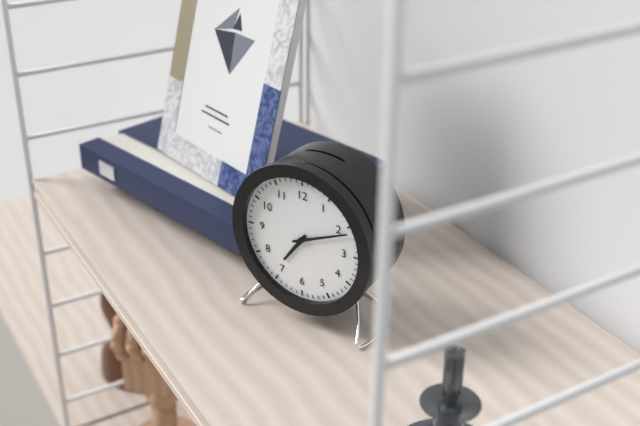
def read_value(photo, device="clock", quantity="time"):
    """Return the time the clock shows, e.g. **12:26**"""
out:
**7:11**
